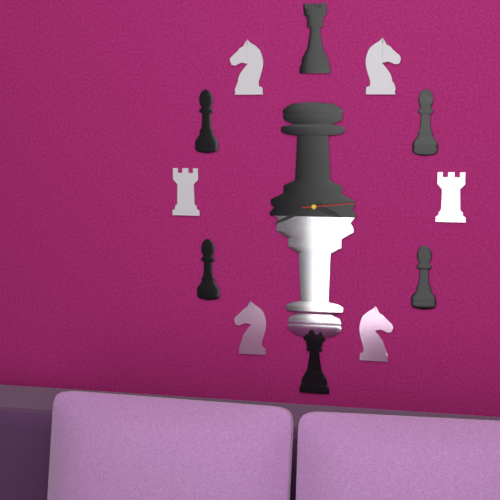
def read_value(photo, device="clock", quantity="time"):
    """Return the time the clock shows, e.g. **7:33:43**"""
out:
**3:41:14**
